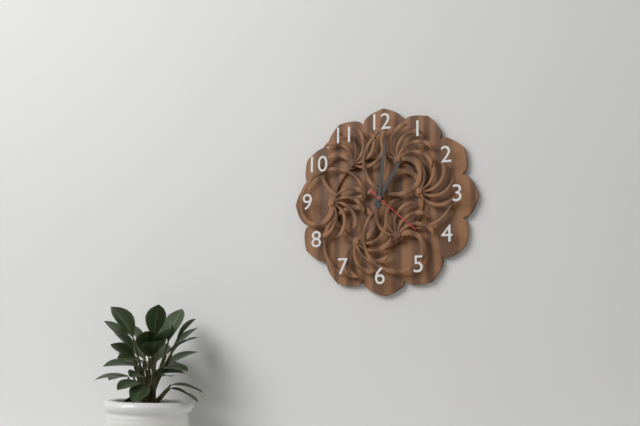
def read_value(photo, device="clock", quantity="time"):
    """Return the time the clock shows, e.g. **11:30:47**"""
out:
**1:01:22**
